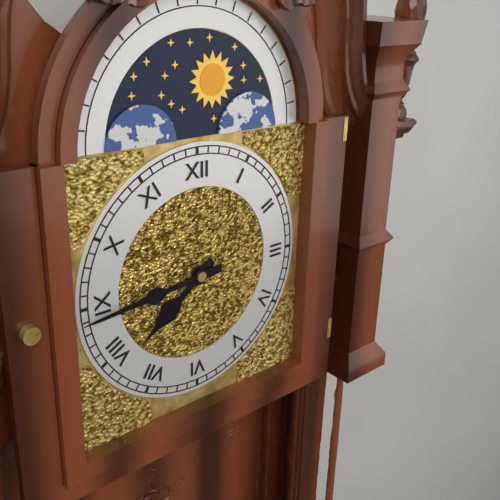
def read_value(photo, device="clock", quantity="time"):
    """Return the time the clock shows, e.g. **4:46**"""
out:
**7:44**
